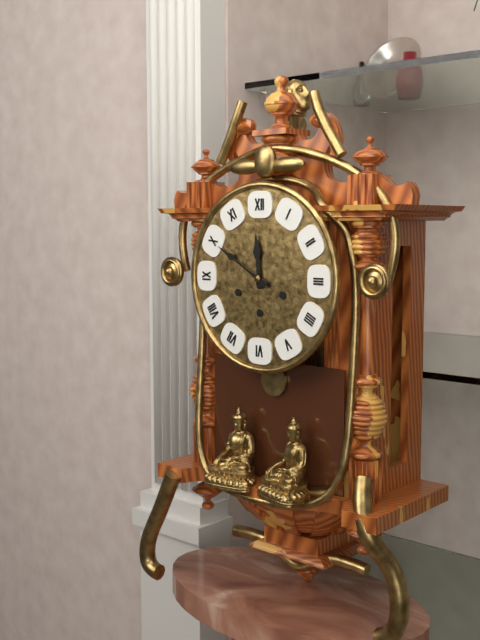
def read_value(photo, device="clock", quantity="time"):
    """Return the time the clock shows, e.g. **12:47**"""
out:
**11:50**
